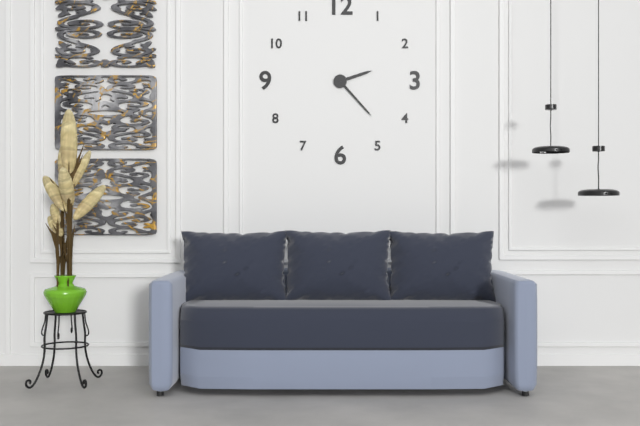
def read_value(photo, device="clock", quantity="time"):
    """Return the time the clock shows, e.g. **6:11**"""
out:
**2:23**
